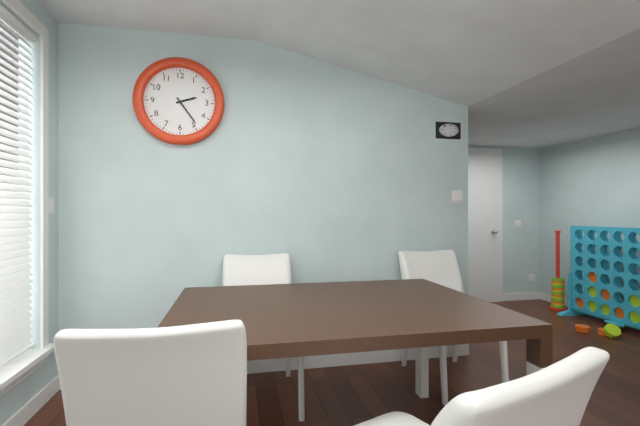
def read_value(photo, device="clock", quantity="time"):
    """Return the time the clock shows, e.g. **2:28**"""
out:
**2:24**
